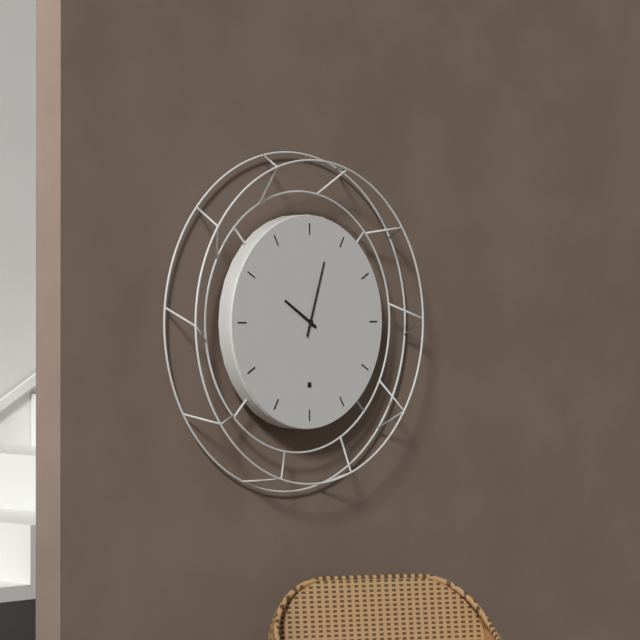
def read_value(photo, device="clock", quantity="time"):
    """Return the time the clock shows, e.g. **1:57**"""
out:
**10:03**
